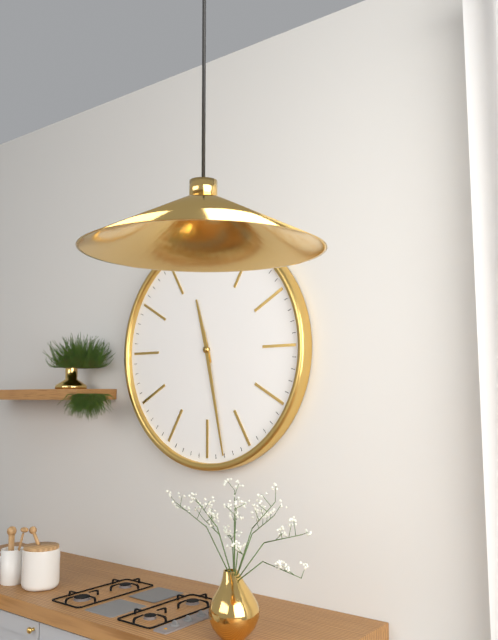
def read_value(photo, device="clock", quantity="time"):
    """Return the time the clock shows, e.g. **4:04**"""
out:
**11:28**
